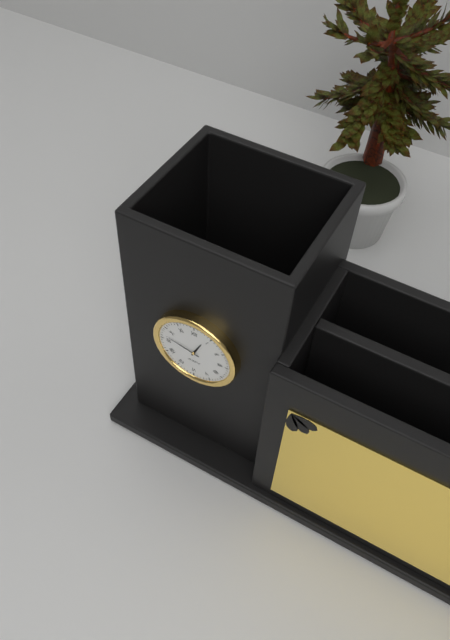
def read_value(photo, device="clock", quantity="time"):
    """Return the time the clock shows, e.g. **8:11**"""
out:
**12:47**
